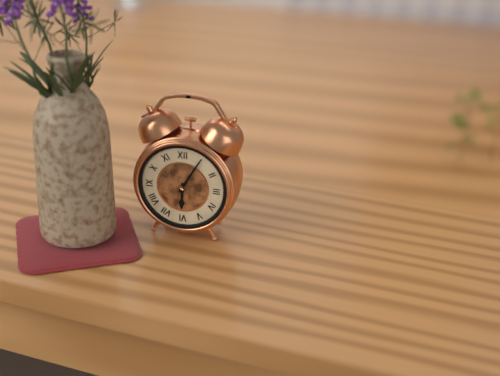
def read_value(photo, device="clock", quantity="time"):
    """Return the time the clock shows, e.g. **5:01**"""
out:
**6:05**
